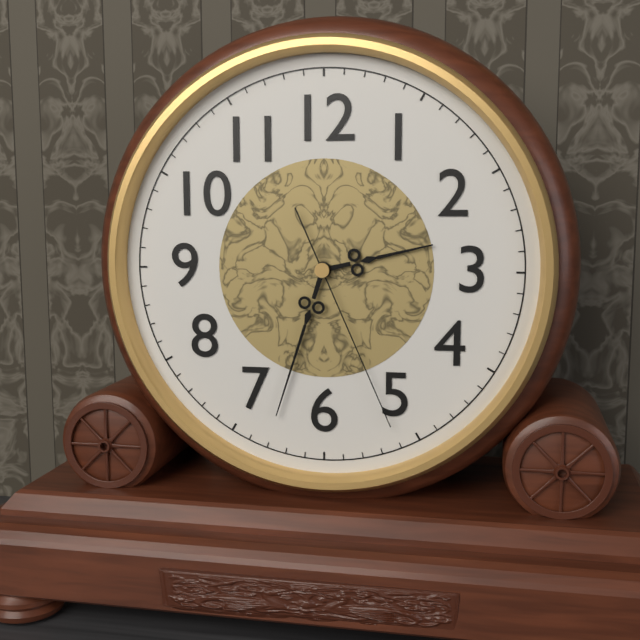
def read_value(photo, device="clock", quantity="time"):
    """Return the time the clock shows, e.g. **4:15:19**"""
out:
**2:33:26**
